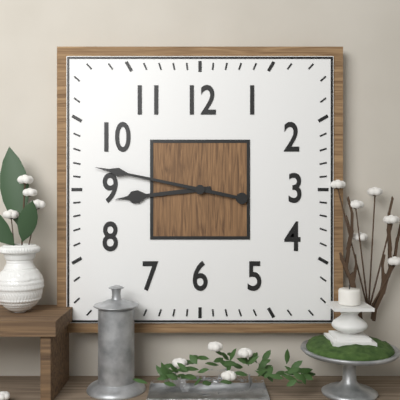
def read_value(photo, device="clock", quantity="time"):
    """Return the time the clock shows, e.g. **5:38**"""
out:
**8:47**
